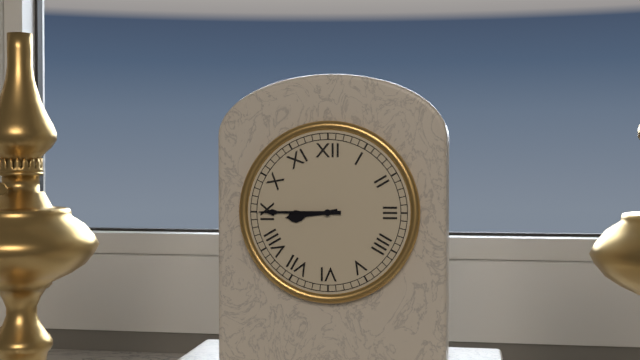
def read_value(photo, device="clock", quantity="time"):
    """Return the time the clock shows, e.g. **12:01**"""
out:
**8:45**
